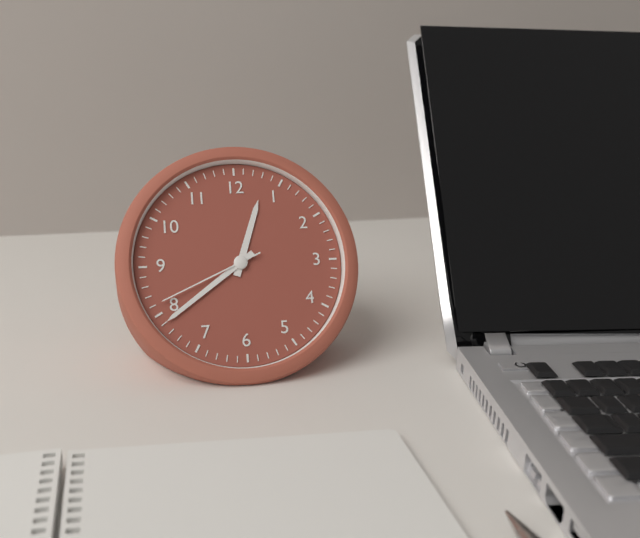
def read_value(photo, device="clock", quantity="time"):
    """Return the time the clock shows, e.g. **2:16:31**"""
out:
**12:39:41**
